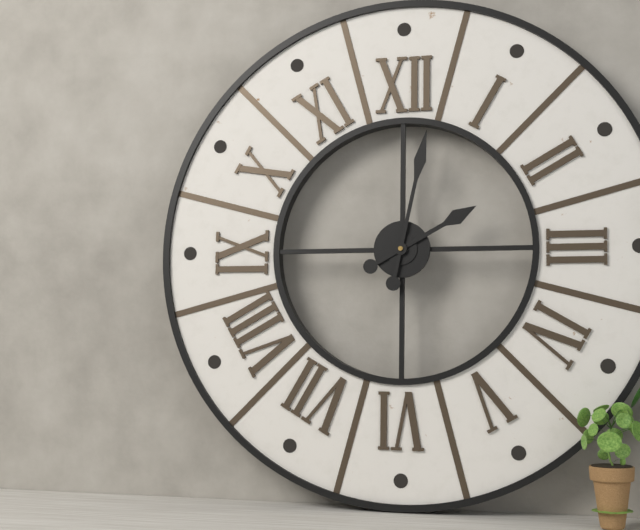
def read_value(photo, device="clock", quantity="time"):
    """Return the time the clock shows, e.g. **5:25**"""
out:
**2:02**
